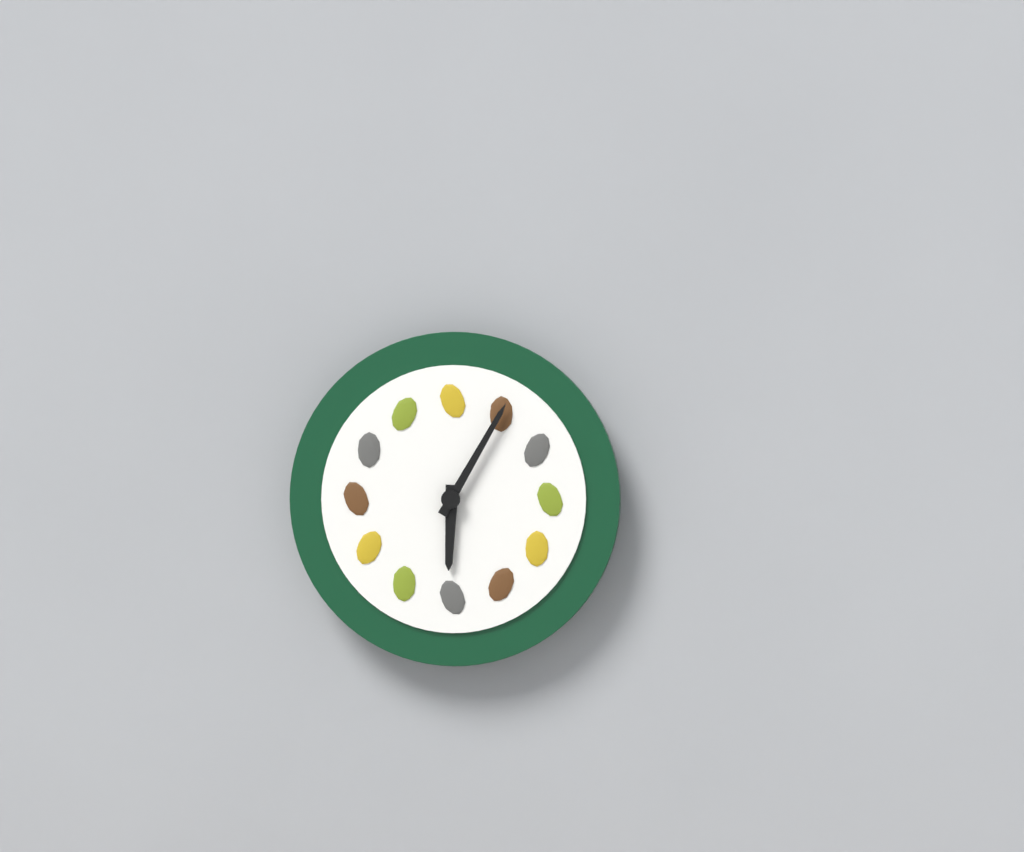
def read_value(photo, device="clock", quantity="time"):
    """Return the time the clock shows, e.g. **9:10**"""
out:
**6:05**
